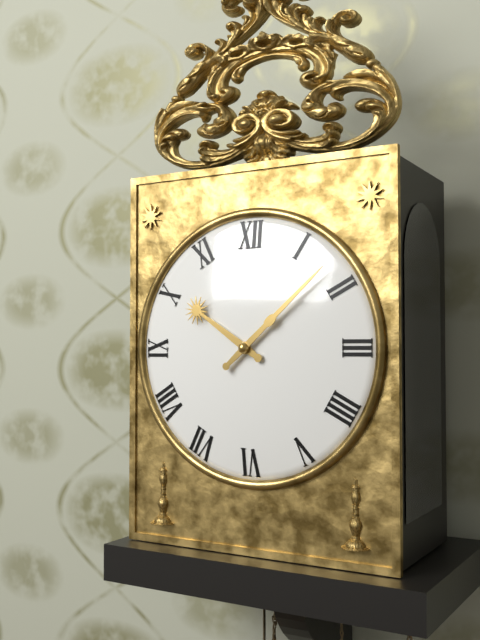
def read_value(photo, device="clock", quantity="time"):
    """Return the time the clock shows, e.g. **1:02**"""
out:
**10:08**
